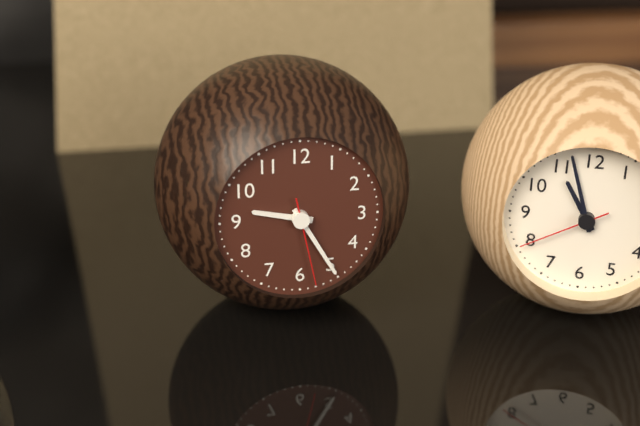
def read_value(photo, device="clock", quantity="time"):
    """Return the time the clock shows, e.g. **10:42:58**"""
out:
**9:25:28**
